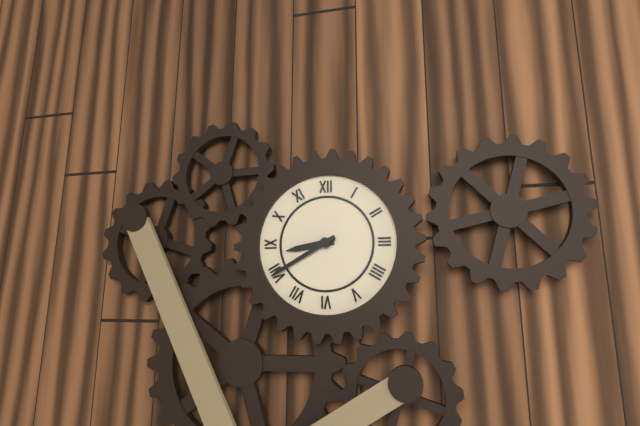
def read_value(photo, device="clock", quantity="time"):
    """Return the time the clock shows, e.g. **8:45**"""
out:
**8:40**
